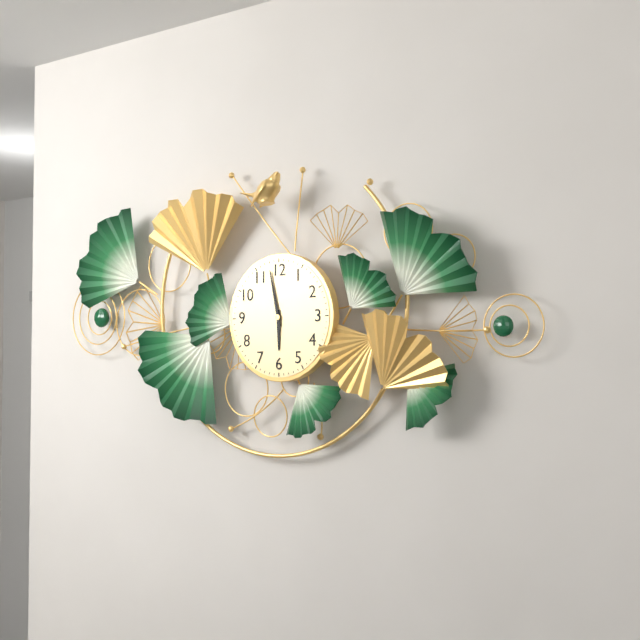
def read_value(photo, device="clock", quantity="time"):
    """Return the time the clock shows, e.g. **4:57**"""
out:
**5:58**
